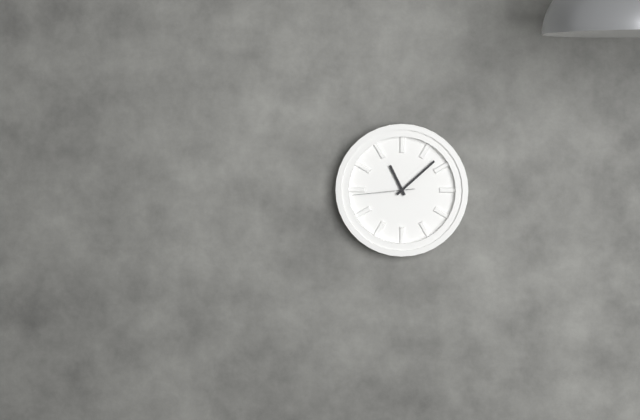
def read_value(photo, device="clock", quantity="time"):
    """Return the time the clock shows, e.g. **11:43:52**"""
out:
**11:08:44**
